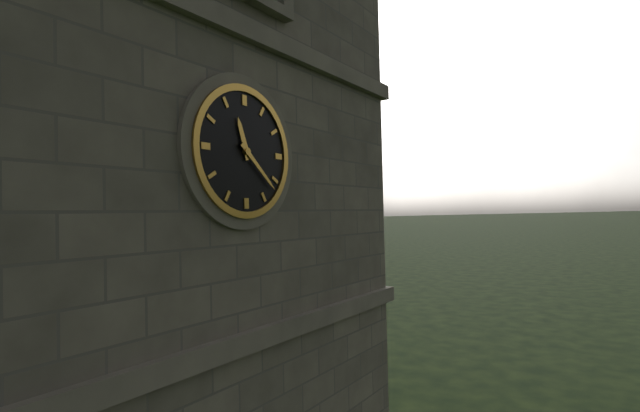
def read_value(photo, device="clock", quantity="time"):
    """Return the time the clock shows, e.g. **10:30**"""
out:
**11:22**
